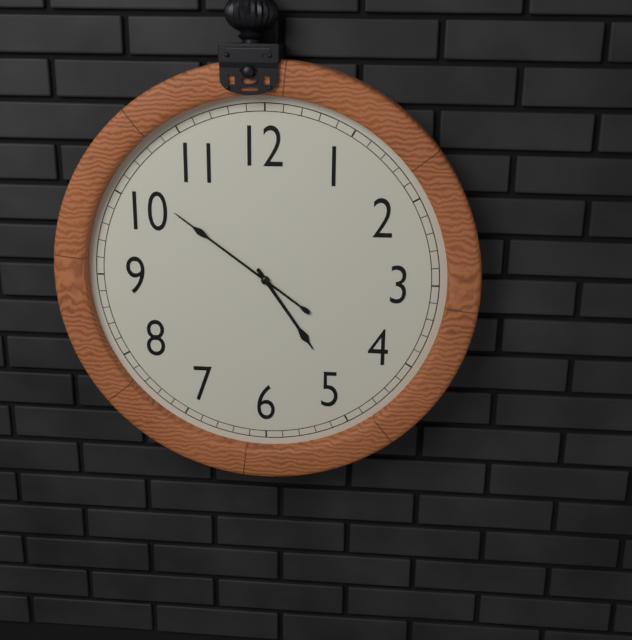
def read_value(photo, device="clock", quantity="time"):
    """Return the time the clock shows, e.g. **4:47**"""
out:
**4:51**
